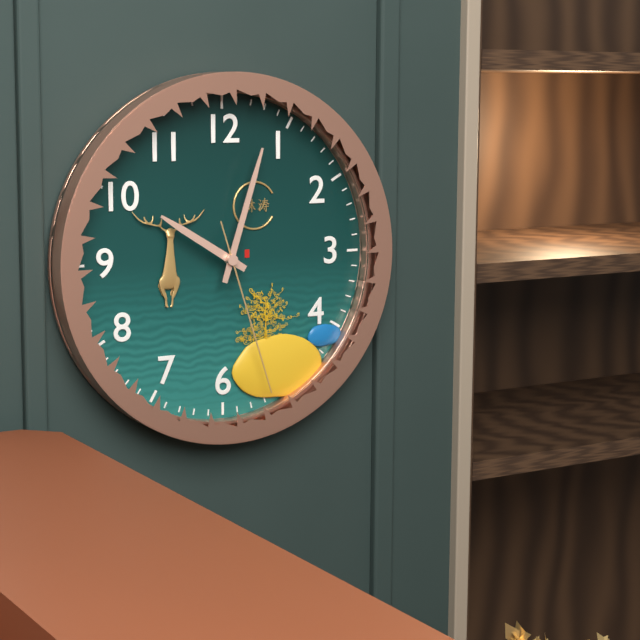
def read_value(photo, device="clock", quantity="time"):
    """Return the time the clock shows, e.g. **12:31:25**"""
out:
**10:03:27**
